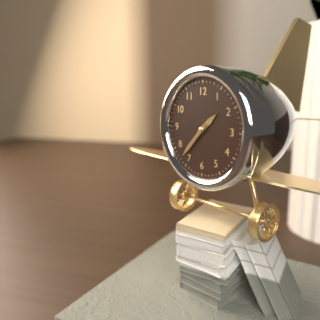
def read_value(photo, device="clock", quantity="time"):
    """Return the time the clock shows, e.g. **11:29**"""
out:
**1:37**
